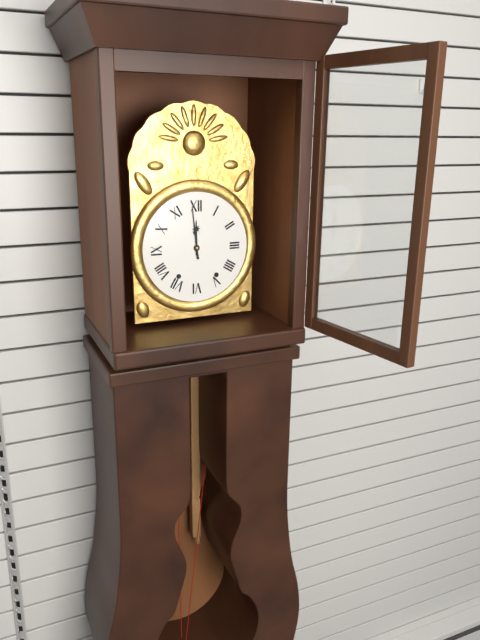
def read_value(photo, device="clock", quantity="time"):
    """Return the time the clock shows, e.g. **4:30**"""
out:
**11:59**
